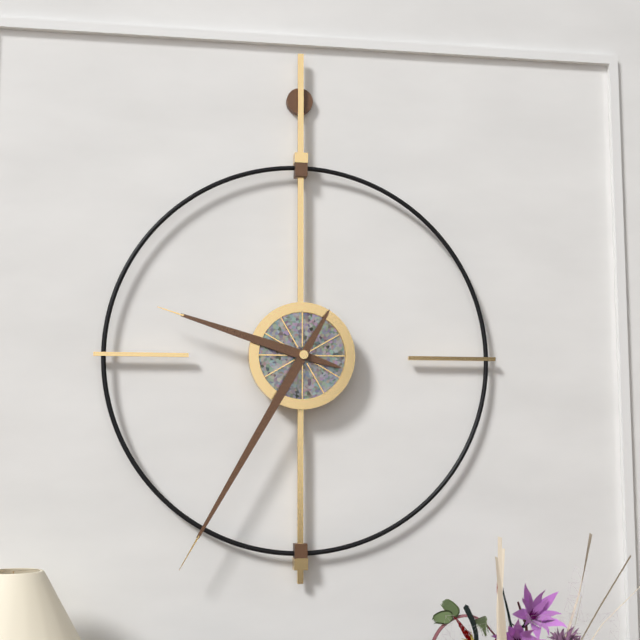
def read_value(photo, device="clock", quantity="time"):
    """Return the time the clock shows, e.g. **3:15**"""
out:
**9:35**
